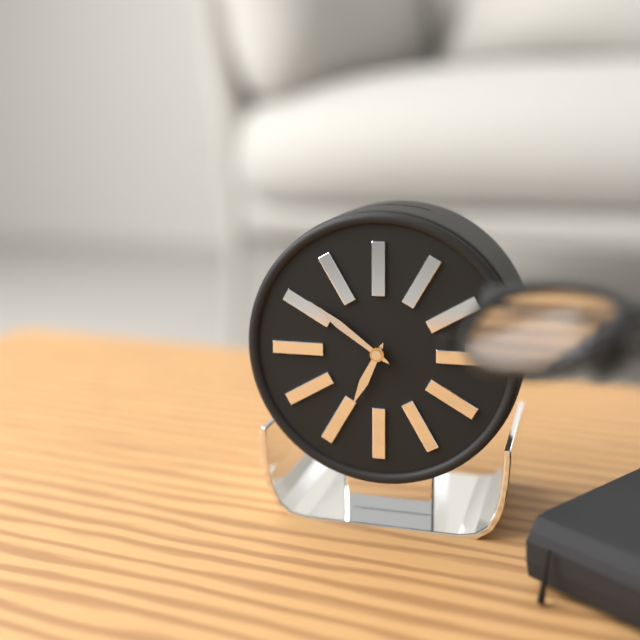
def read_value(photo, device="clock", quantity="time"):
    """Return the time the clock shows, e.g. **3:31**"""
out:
**6:51**
